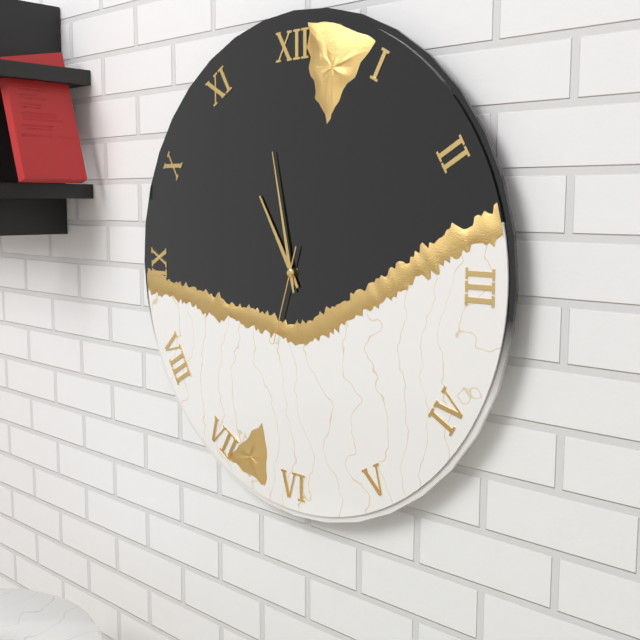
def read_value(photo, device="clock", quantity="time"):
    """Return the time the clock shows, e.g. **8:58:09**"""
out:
**10:58:33**
